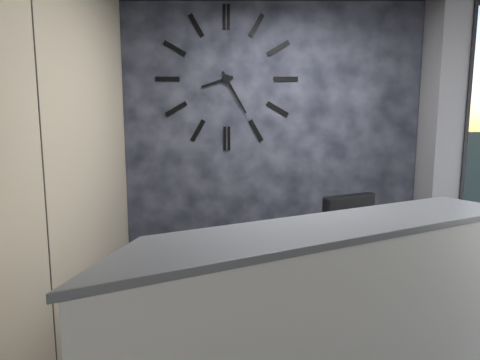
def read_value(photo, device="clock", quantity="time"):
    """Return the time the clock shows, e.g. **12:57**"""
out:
**8:25**
